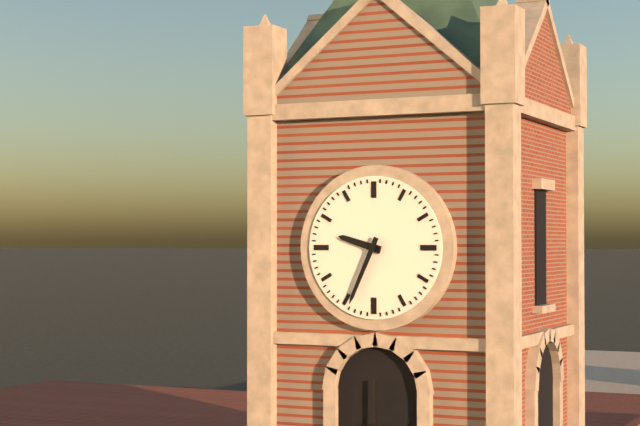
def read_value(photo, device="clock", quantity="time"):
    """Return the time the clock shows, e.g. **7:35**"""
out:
**9:34**
